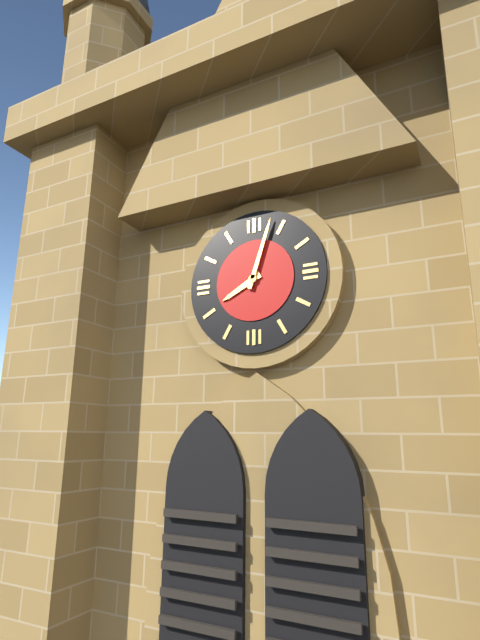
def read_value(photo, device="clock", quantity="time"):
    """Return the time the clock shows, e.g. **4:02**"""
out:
**8:03**
